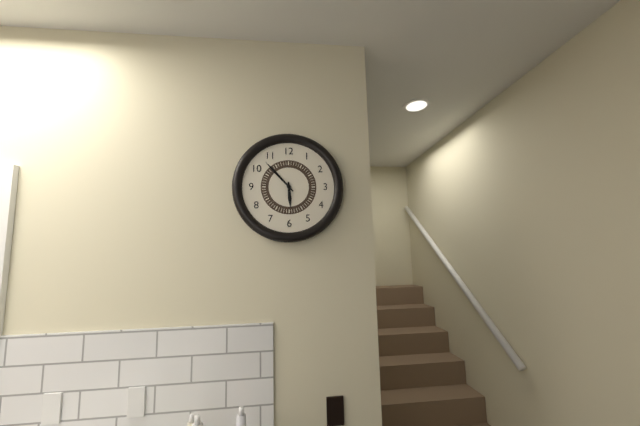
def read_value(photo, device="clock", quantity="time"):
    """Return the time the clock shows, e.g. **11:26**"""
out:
**5:53**
